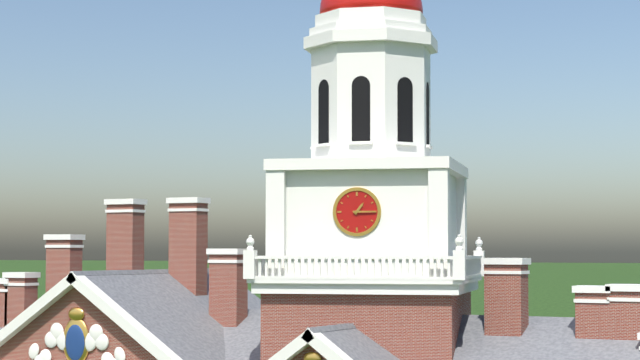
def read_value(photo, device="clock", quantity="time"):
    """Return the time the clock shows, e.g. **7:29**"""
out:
**1:15**
